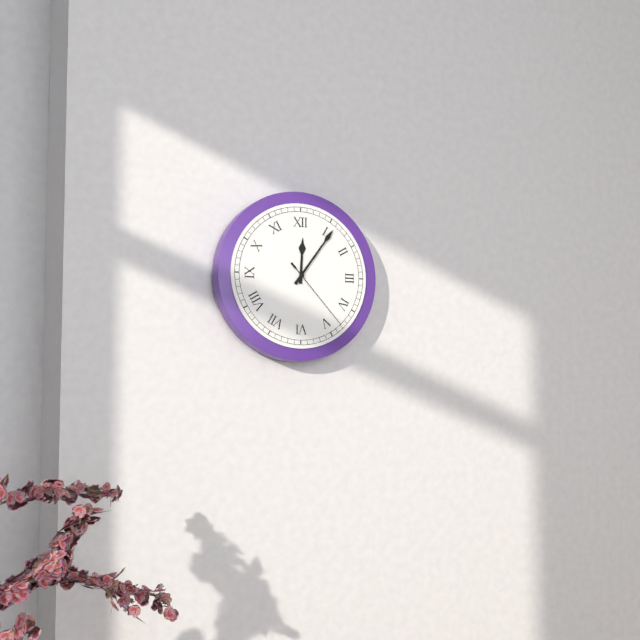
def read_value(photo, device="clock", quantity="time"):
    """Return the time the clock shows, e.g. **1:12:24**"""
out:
**12:06:23**
